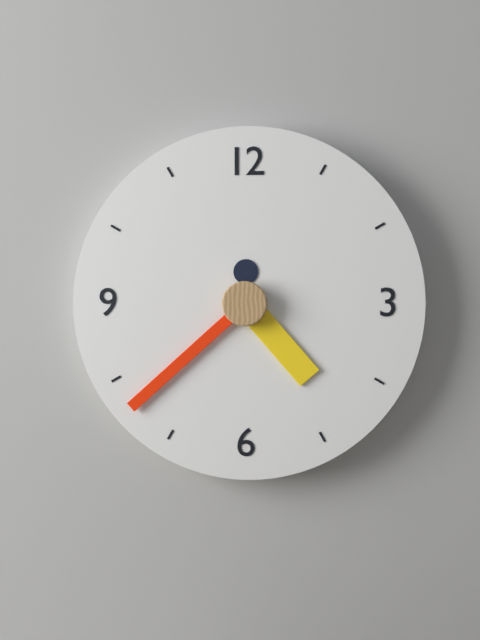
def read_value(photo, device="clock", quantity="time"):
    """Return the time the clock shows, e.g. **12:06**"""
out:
**4:38**
